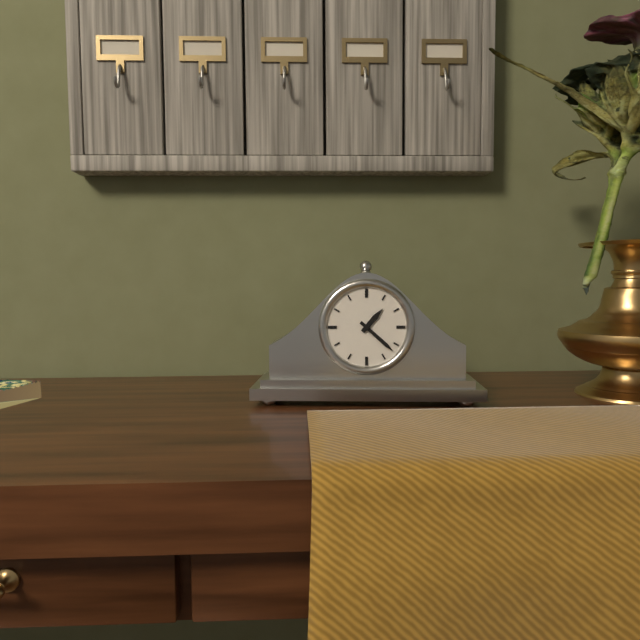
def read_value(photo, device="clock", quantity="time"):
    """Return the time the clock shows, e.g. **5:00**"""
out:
**1:22**
